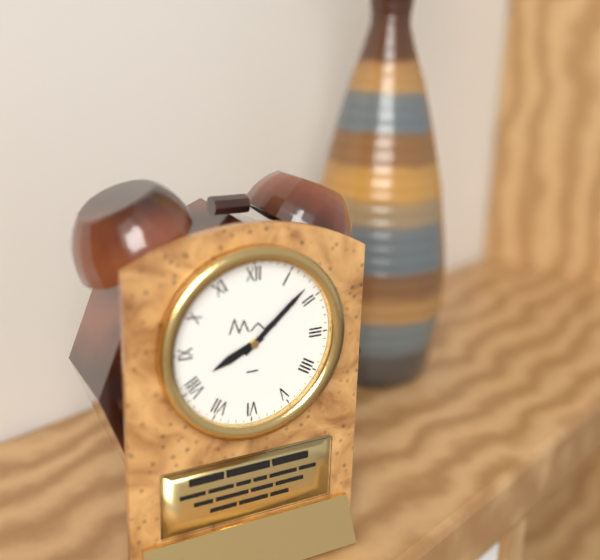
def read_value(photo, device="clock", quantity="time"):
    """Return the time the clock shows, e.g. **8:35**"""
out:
**8:08**
